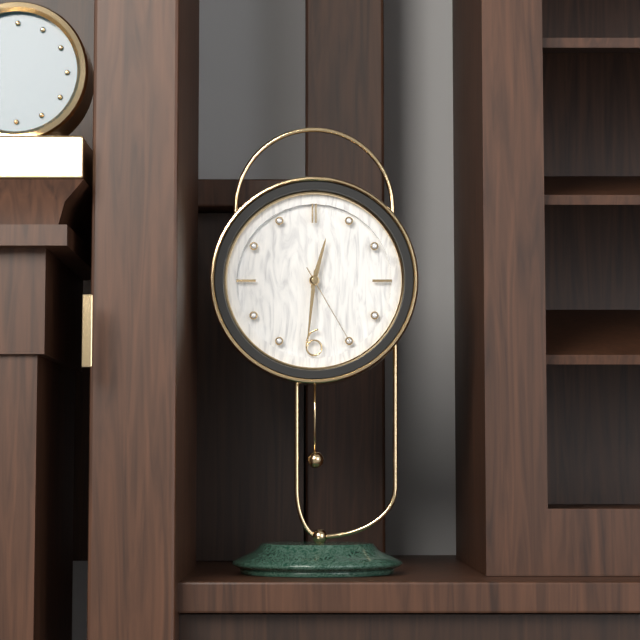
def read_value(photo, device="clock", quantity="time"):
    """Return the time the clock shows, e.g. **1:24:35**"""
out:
**12:31:25**
